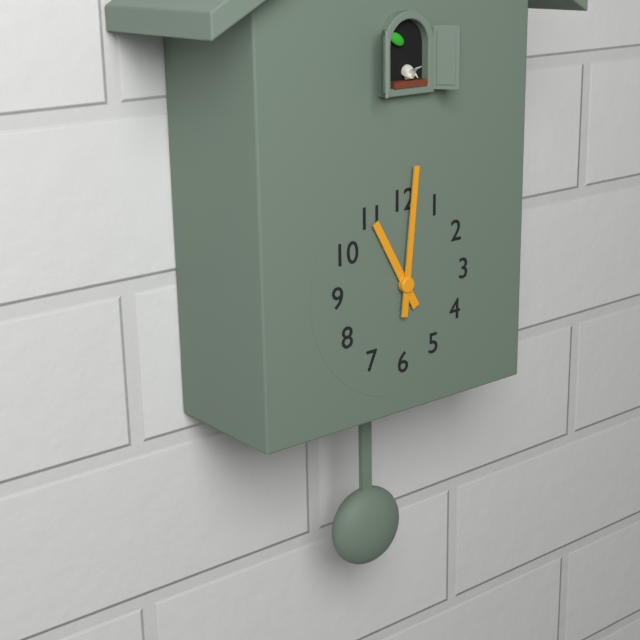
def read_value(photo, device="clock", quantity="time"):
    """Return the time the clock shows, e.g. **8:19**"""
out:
**11:01**
